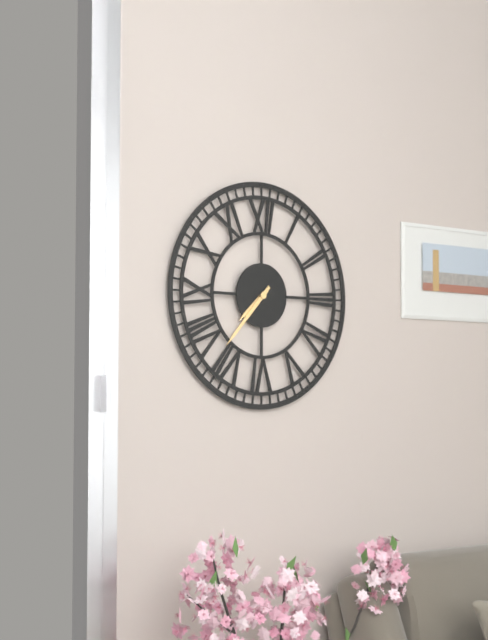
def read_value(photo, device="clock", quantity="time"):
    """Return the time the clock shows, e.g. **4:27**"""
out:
**7:37**
